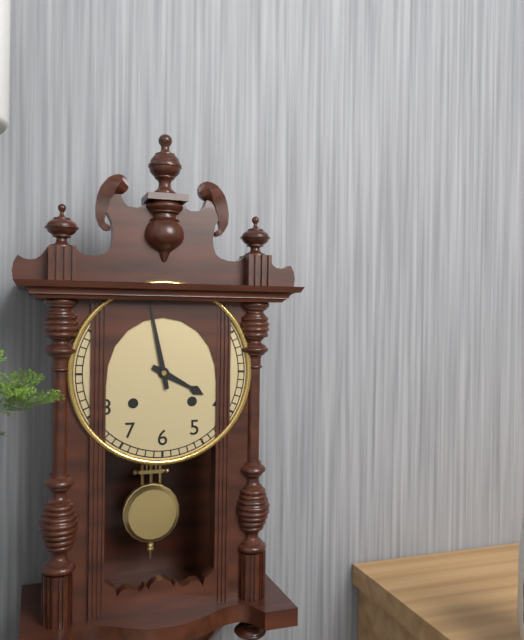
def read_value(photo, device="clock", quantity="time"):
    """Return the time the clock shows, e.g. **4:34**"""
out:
**3:58**
